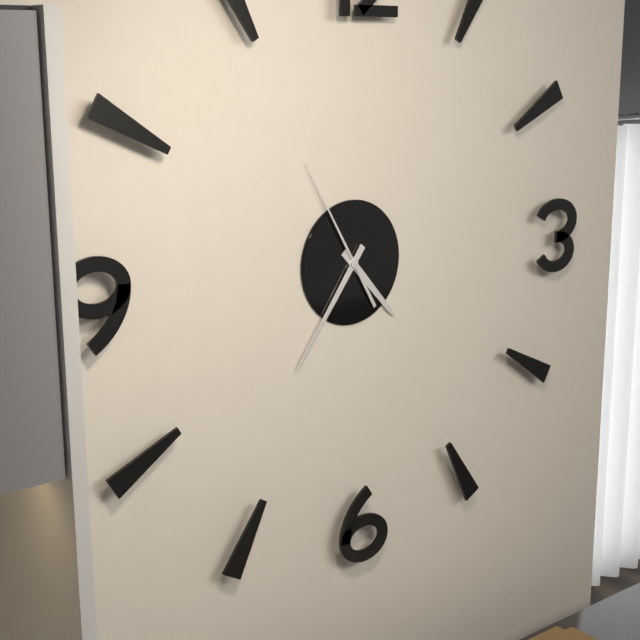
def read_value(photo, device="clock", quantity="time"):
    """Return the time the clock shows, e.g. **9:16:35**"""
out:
**4:36:55**
